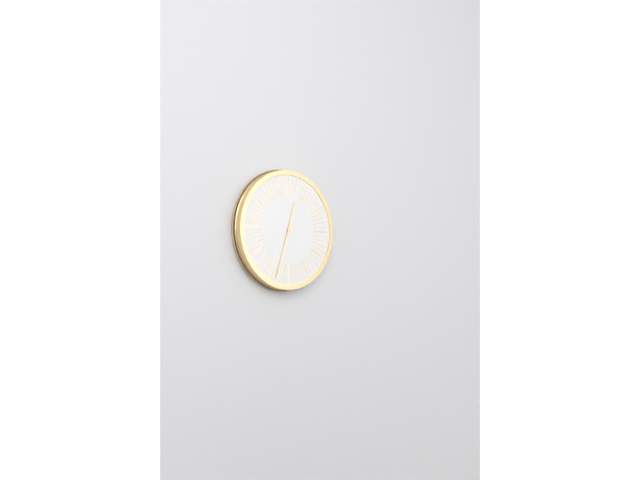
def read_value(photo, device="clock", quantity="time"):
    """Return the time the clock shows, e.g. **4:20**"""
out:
**12:33**
